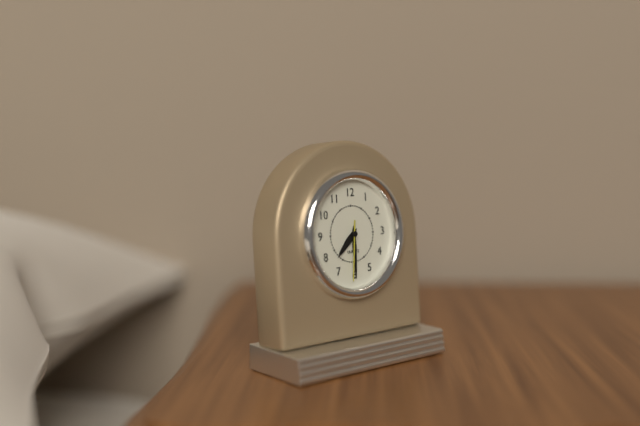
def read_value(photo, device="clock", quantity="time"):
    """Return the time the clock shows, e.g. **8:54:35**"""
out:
**7:30:31**
